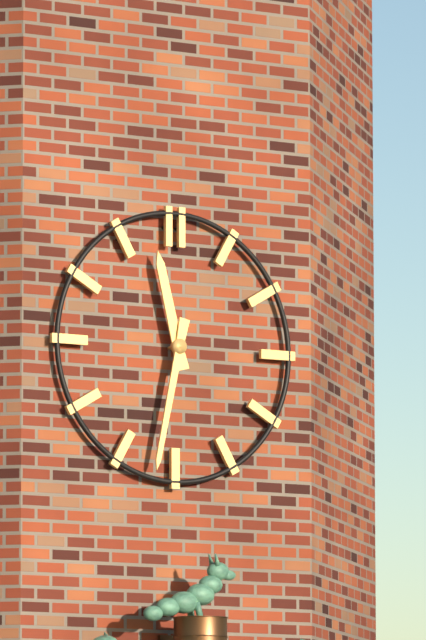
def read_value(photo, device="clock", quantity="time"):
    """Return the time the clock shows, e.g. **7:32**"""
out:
**11:32**
